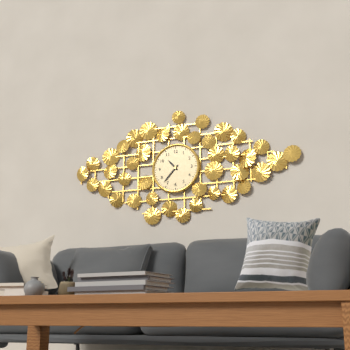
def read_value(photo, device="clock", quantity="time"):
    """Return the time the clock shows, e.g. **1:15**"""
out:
**10:37**
